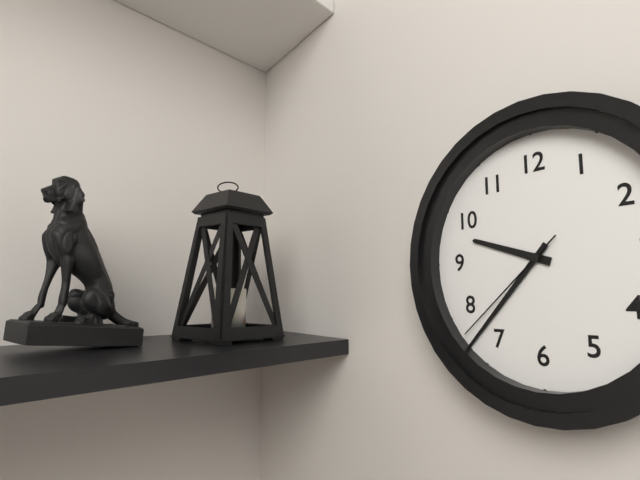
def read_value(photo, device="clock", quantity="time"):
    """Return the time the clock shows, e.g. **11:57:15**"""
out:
**9:37:38**
